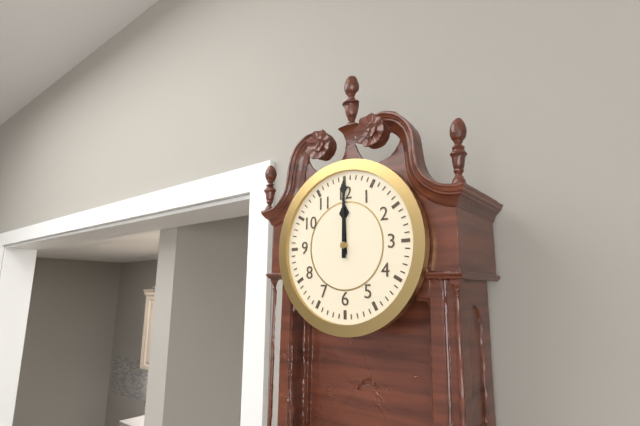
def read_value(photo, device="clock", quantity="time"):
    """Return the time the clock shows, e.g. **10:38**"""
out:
**12:00**
